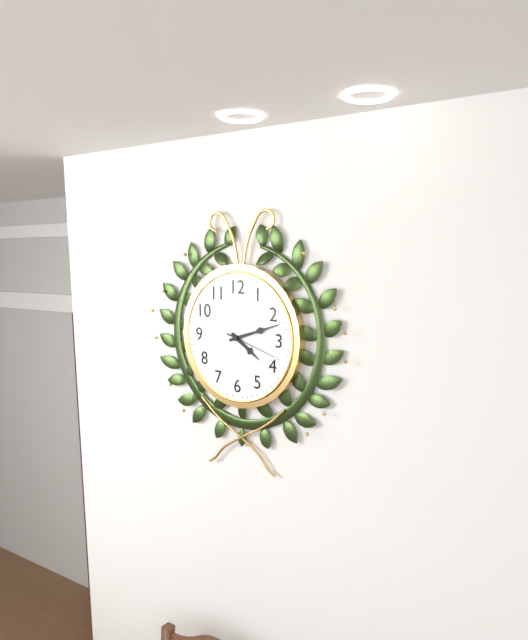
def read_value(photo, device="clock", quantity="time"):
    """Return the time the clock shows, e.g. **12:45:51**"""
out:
**4:12:18**
